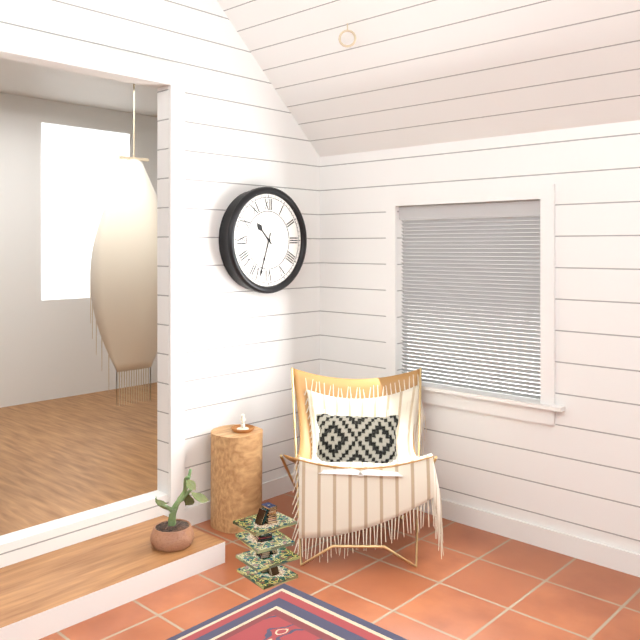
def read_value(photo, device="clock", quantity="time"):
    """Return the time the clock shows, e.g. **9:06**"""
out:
**10:33**
